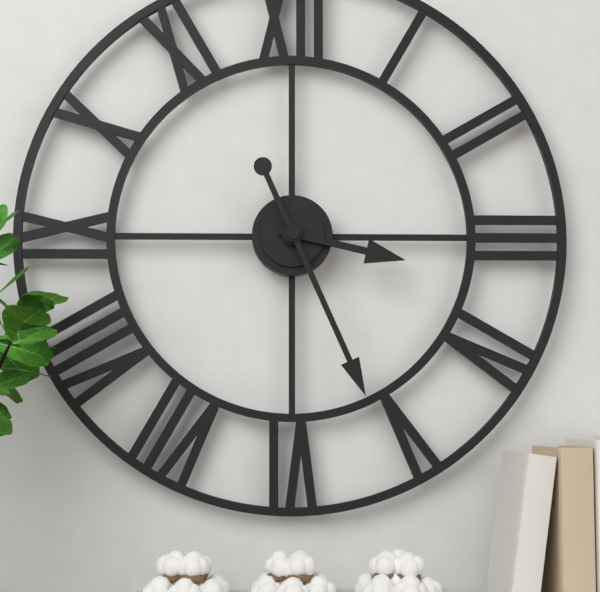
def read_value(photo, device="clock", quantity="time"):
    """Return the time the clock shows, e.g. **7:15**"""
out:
**3:26**
